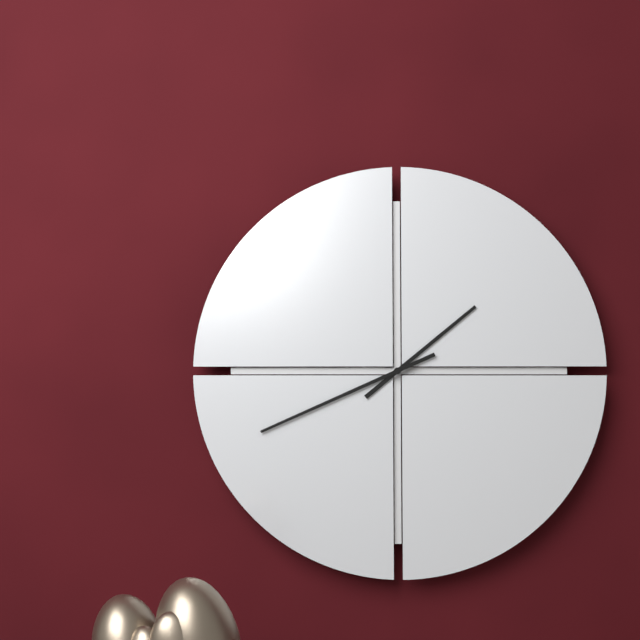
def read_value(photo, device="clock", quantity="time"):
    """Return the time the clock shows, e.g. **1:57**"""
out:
**1:41**
